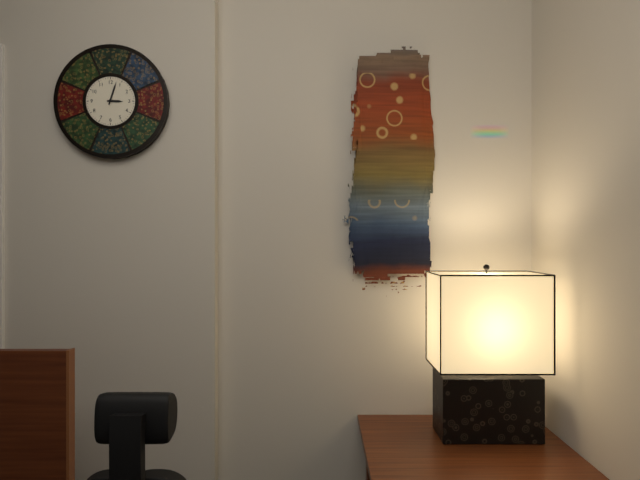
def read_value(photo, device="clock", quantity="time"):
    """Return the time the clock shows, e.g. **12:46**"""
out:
**3:03**
